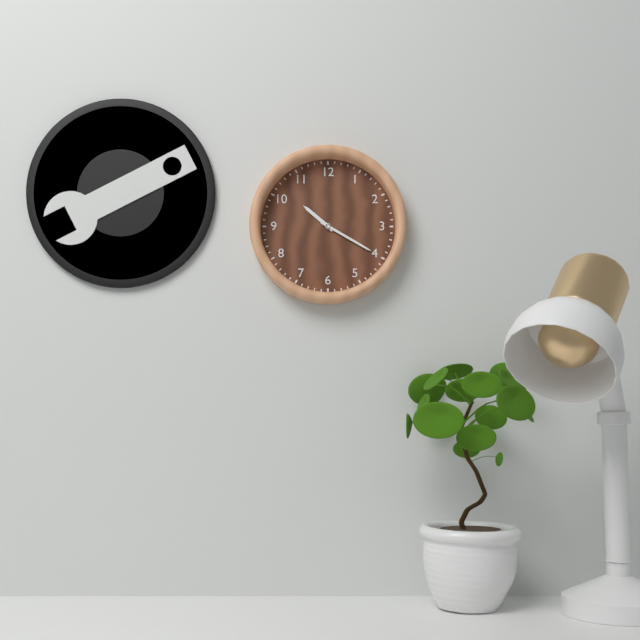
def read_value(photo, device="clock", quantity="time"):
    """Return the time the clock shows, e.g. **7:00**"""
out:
**10:20**
